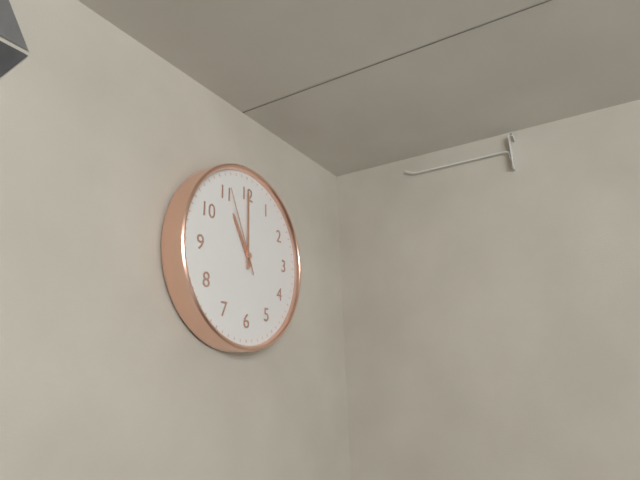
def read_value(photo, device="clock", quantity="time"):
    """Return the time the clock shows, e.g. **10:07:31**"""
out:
**11:00:56**
